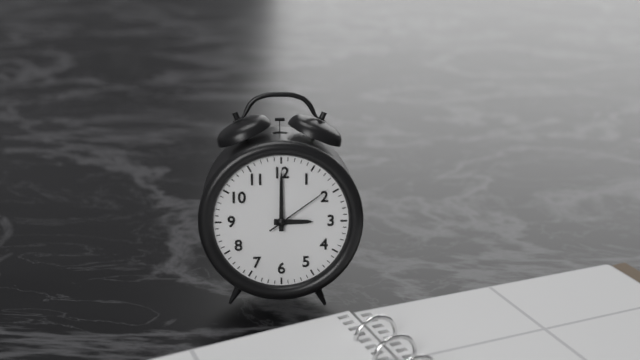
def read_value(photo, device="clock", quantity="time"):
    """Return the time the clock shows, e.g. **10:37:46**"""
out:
**3:00:09**
